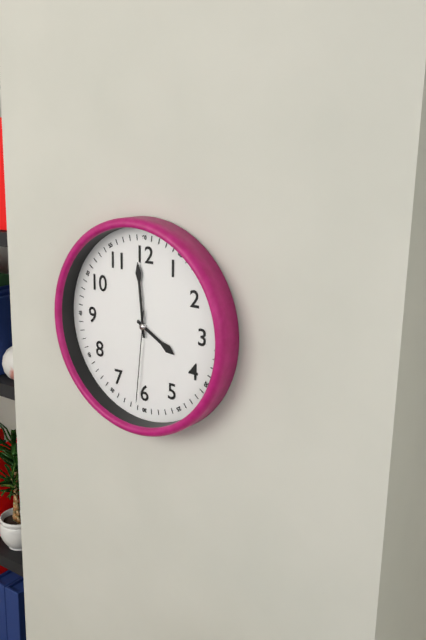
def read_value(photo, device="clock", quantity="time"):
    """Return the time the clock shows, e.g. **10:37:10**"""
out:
**3:59:31**
